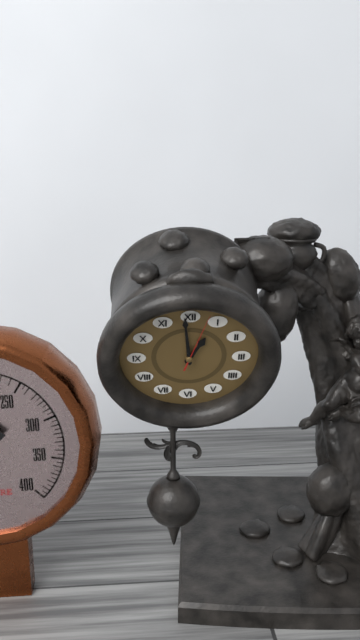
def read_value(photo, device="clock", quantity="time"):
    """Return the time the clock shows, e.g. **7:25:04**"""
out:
**12:59:03**
